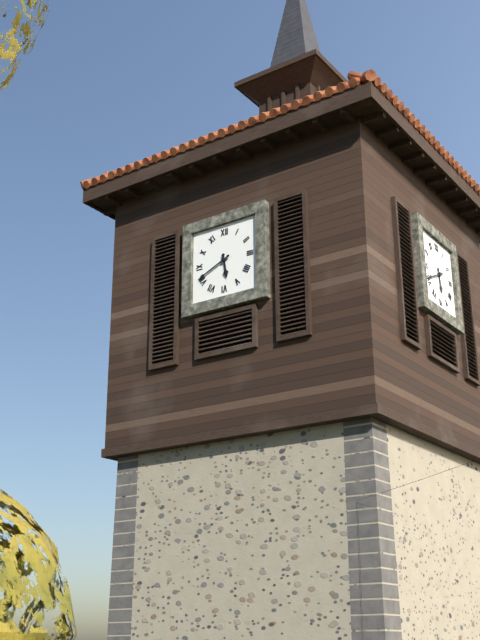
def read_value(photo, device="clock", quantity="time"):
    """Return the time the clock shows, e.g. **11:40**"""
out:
**5:41**
